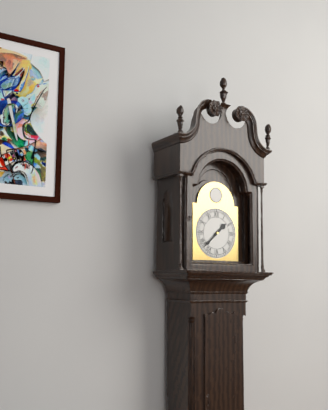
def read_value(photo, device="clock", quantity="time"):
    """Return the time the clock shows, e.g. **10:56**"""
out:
**1:38**
